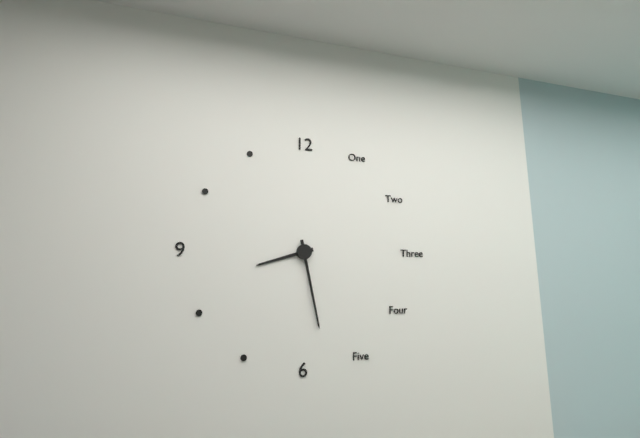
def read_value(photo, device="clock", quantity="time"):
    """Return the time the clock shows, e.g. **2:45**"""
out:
**8:28**
